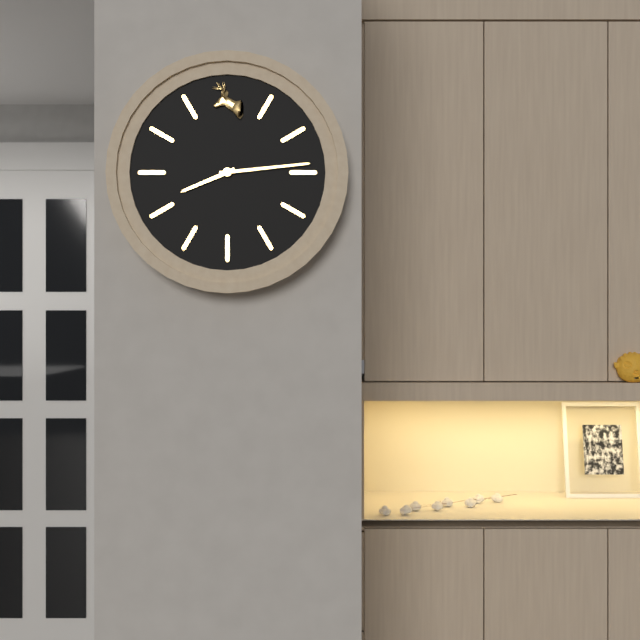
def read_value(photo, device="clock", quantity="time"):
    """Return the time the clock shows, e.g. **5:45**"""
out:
**8:14**
